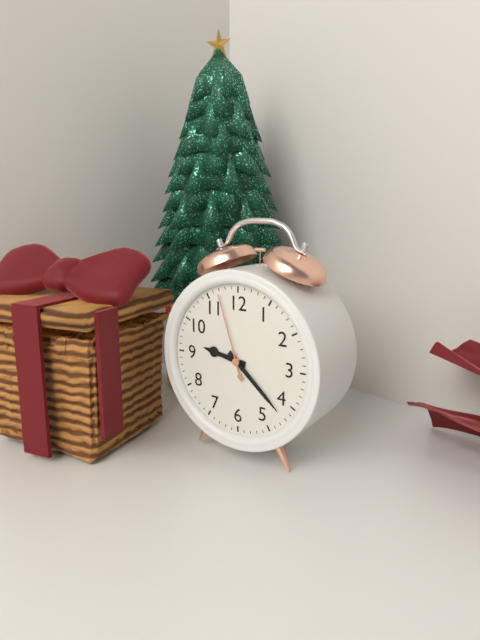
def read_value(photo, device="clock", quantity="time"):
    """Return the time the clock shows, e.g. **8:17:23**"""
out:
**9:22:57**
